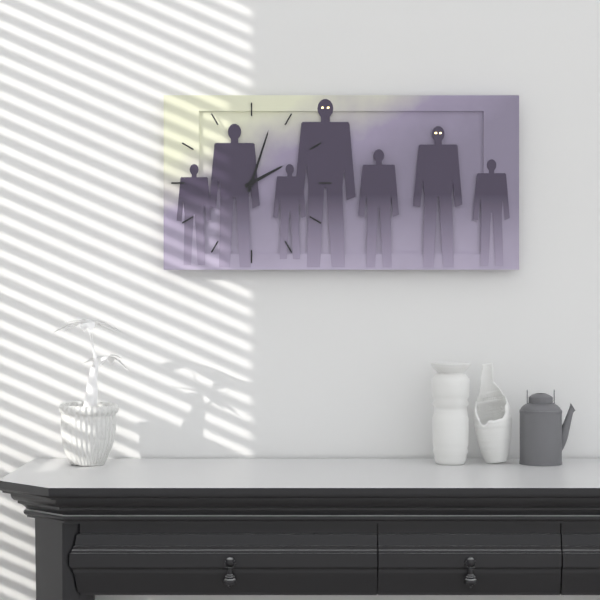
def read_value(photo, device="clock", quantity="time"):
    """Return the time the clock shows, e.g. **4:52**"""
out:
**2:03**
